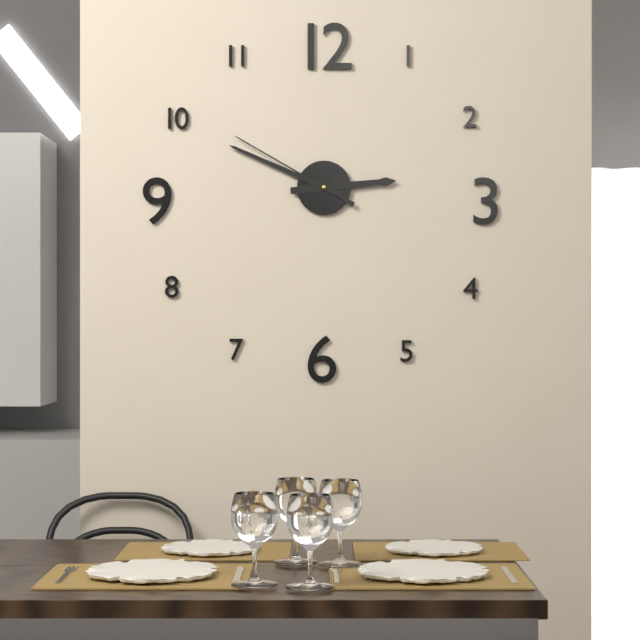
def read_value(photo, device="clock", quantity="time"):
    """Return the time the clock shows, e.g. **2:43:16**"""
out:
**2:49:50**
